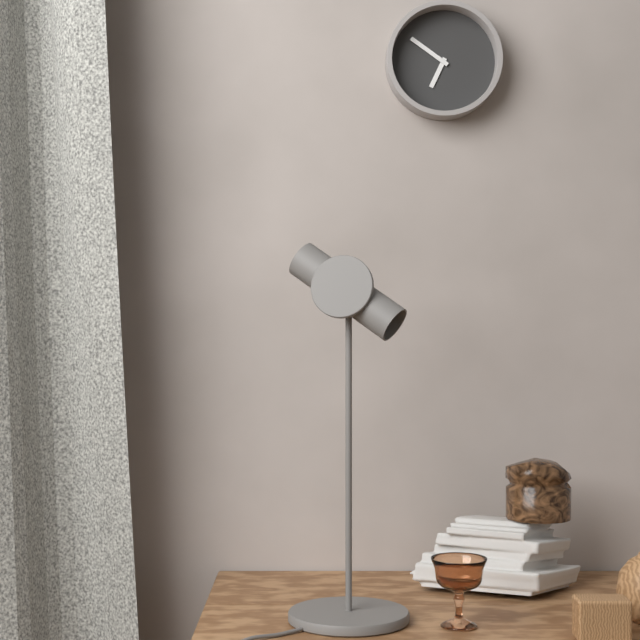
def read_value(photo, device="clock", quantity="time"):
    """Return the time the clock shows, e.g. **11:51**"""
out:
**6:51**
